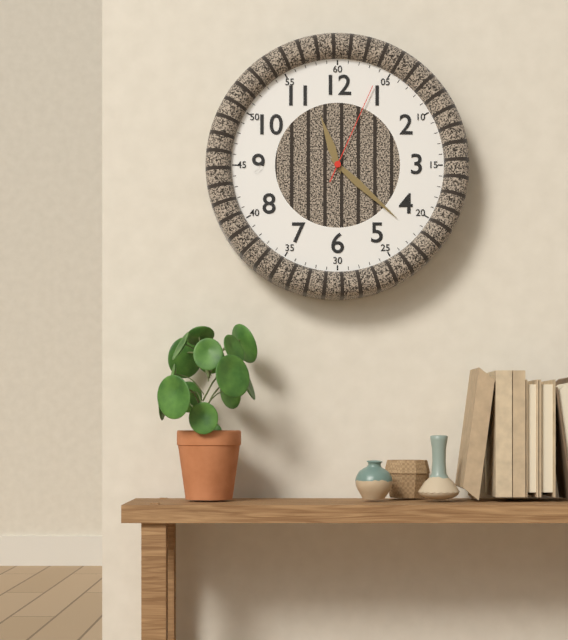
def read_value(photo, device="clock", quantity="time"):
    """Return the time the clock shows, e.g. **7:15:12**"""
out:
**11:22:04**
